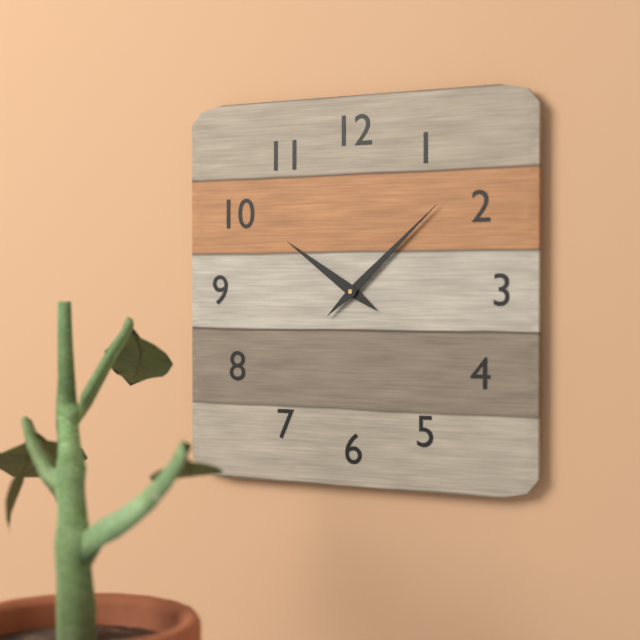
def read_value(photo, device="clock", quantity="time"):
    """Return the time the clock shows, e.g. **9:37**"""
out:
**10:08**
